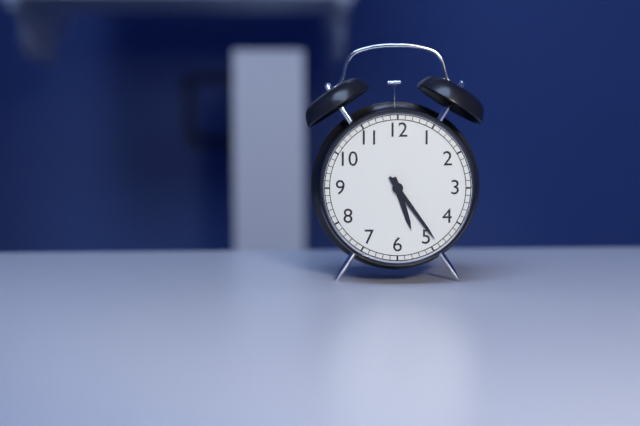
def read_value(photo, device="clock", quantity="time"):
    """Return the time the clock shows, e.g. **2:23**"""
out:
**5:24**
